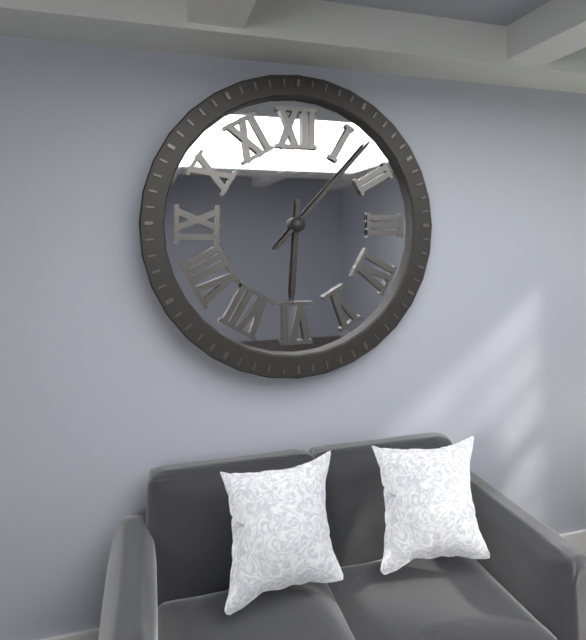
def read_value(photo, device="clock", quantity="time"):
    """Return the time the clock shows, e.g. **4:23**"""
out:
**6:07**
